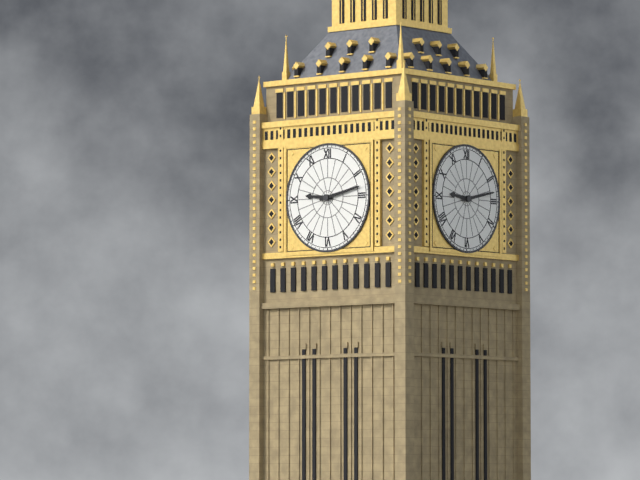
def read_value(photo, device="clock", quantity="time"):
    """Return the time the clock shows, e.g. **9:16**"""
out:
**9:13**
